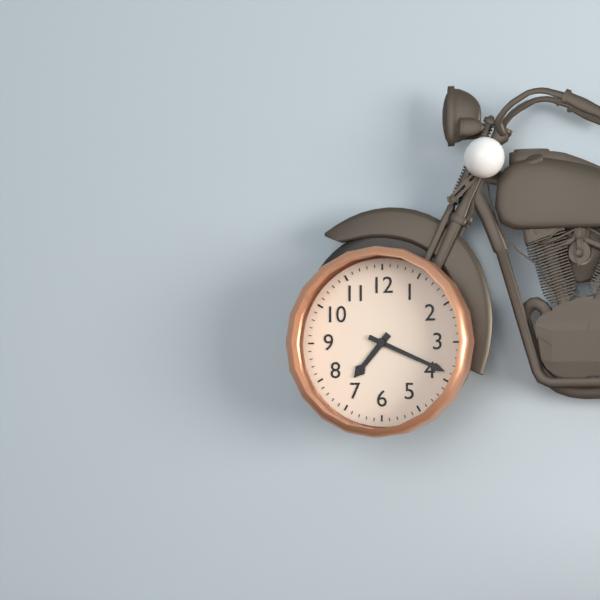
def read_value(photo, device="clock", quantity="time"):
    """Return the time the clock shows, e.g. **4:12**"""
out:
**7:19**
